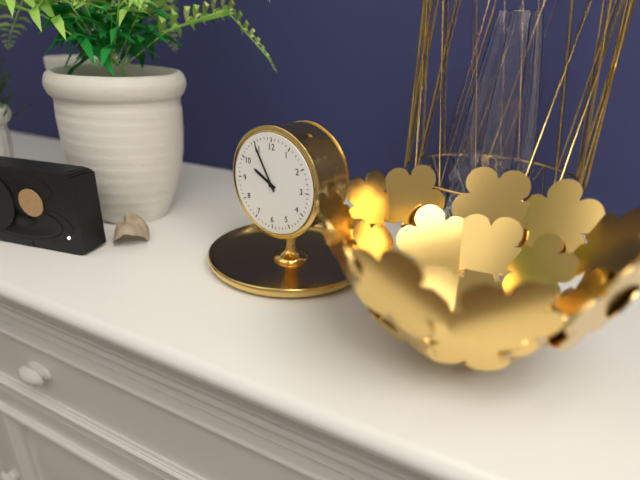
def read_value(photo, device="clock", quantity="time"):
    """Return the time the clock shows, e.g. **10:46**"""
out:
**9:55**
